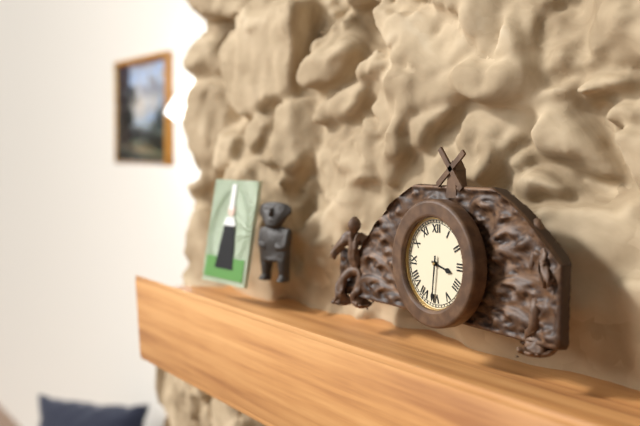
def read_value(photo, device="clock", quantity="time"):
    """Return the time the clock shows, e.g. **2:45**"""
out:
**3:31**
